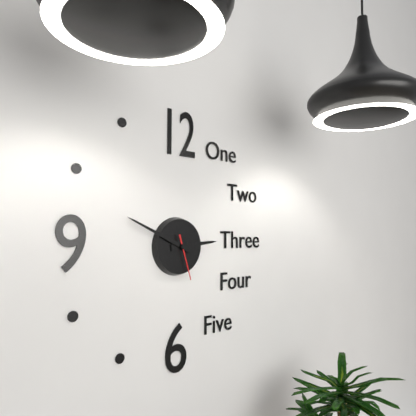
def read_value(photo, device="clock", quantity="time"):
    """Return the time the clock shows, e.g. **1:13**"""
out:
**2:49**
